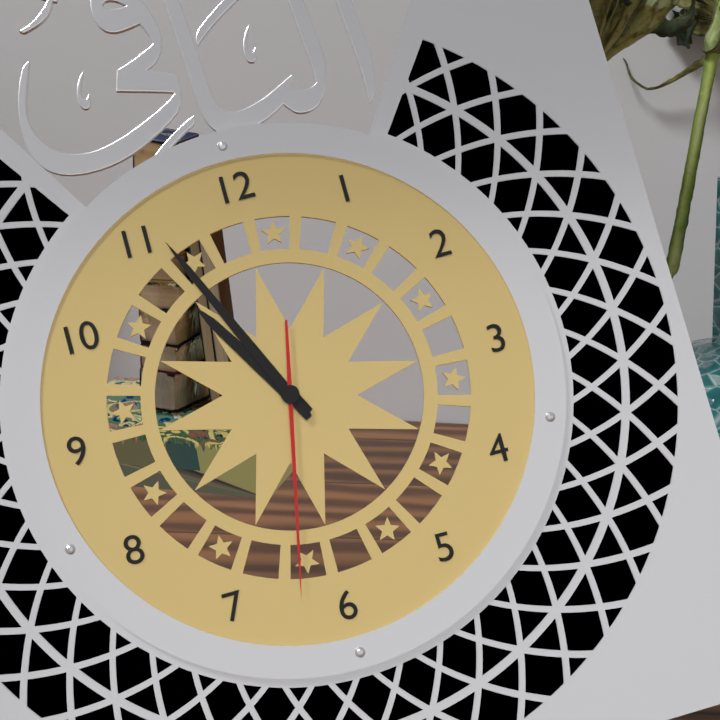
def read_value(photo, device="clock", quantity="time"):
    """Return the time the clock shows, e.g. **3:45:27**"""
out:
**10:56:32**
